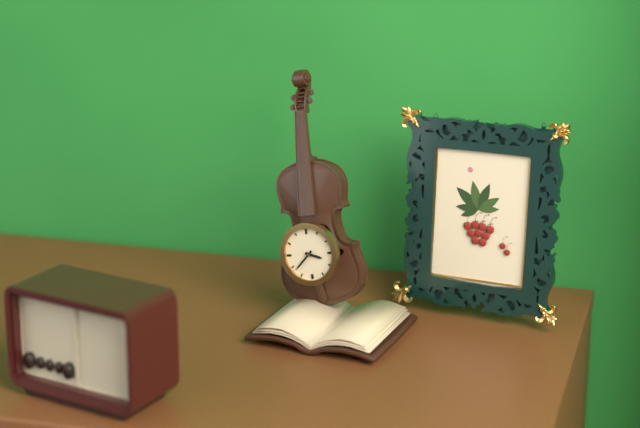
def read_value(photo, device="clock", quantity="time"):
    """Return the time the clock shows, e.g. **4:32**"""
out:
**3:38**
